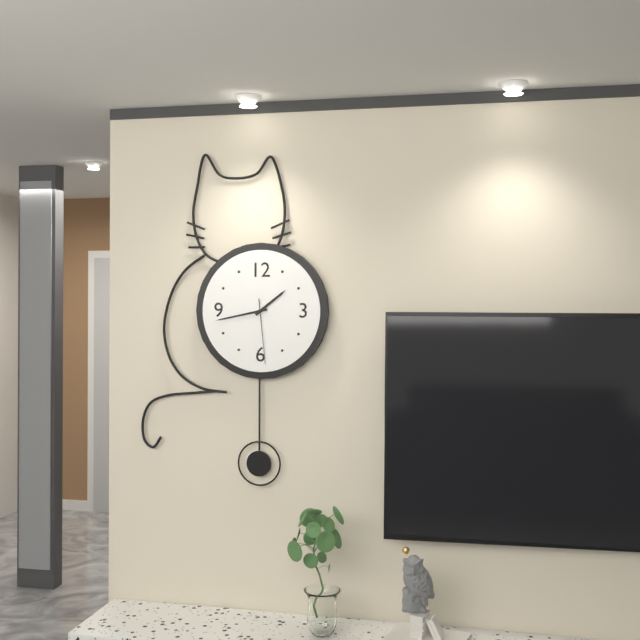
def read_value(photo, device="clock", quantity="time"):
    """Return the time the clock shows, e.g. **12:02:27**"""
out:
**1:43:29**
